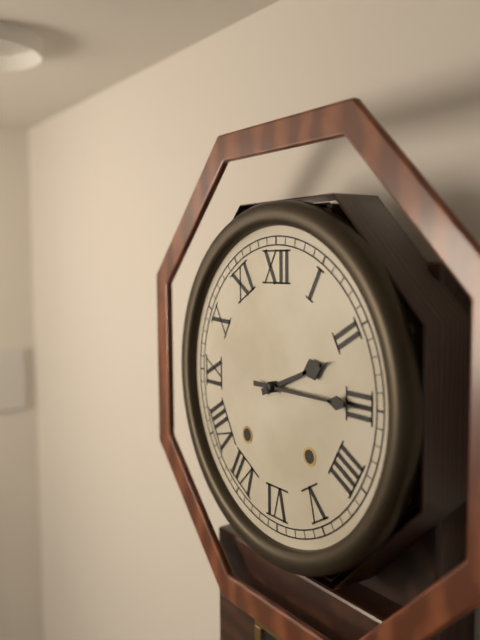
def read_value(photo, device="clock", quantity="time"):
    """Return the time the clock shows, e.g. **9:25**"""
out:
**2:15**
